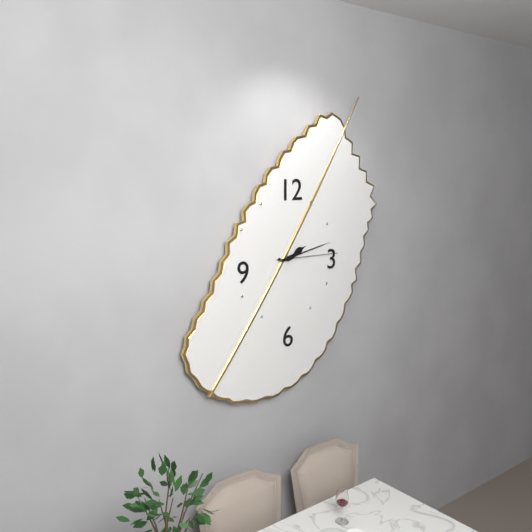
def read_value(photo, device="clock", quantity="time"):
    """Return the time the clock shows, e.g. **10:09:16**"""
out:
**2:13:15**
